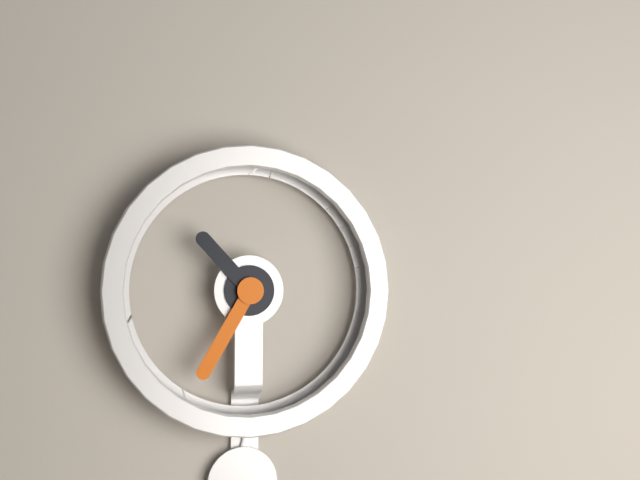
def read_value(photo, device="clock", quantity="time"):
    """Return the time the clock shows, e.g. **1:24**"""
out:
**10:35**
